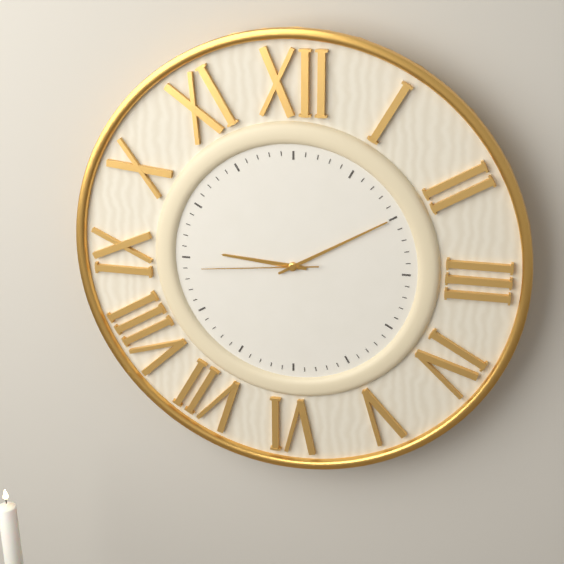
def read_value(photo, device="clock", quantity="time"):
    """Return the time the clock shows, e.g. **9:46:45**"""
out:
**9:10:44**
